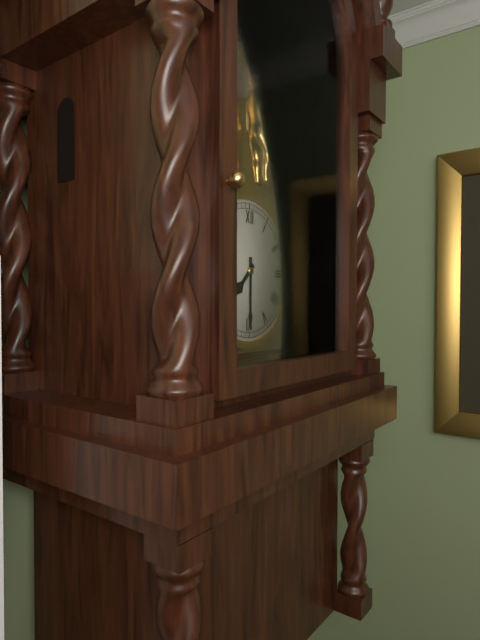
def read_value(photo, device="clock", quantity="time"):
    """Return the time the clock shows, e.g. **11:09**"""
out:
**7:30**
